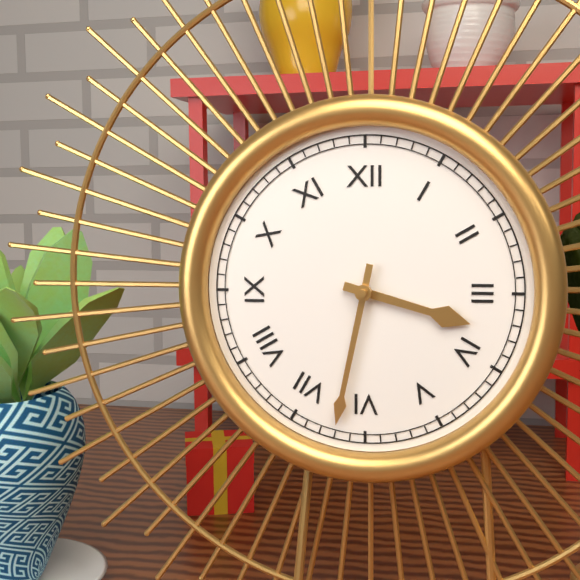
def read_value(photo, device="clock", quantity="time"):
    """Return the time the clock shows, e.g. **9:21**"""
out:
**3:32**
